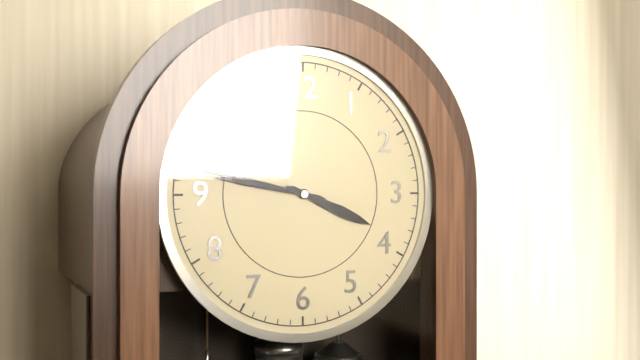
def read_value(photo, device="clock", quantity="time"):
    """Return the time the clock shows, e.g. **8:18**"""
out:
**3:47**
